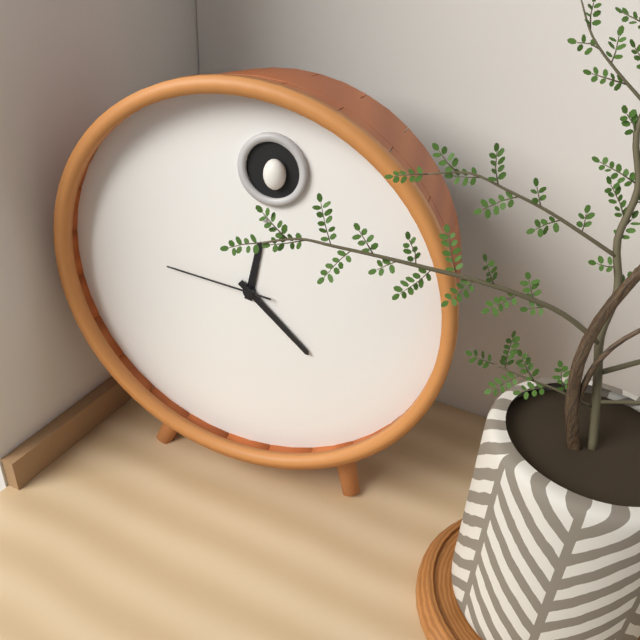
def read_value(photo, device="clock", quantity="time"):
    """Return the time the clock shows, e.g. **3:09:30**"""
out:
**12:22:46**
